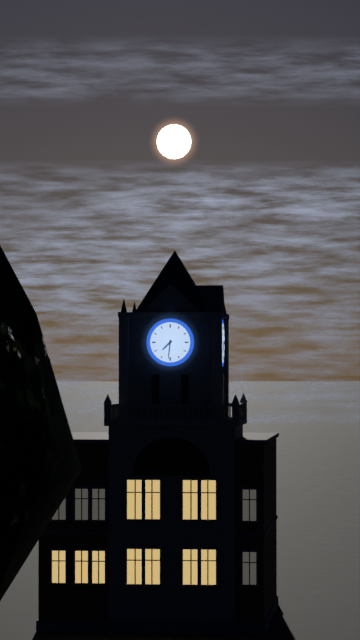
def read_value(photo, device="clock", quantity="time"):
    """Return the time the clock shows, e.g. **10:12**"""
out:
**7:31**
